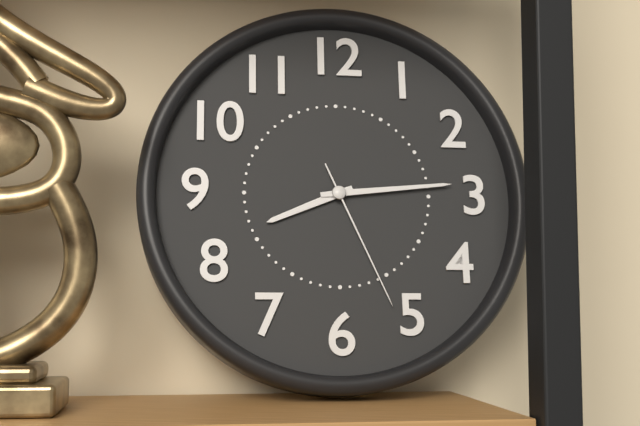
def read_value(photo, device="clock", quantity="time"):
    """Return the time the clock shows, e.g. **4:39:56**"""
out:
**8:14:26**
